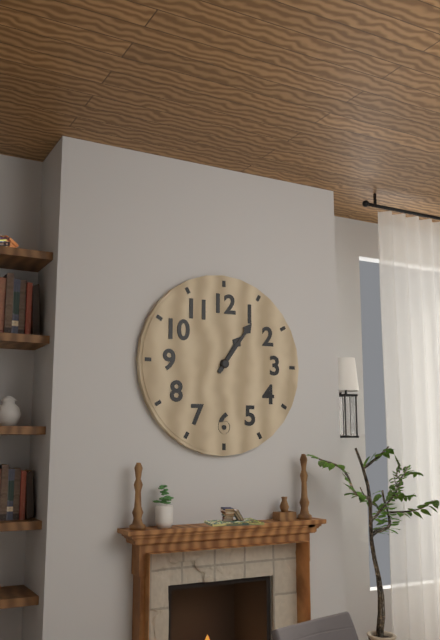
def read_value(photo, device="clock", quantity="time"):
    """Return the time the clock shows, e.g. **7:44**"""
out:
**1:06**
